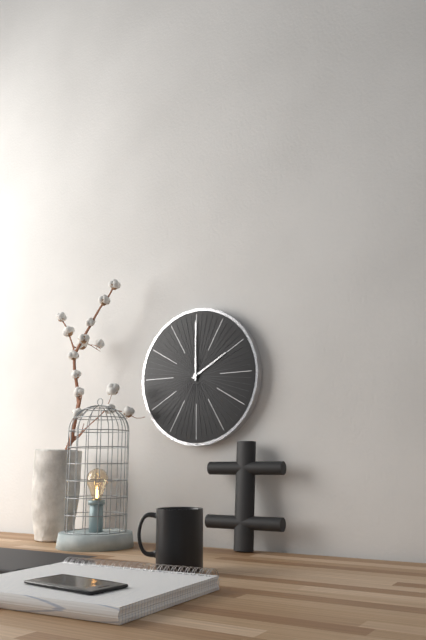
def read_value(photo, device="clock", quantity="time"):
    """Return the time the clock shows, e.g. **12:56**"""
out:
**2:00**
